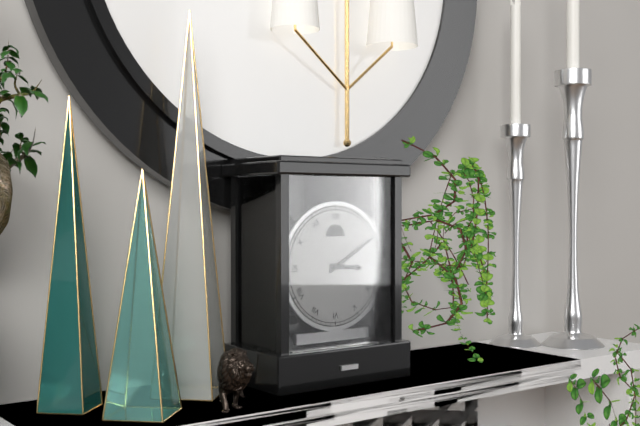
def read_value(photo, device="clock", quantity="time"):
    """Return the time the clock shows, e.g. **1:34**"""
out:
**3:10**
